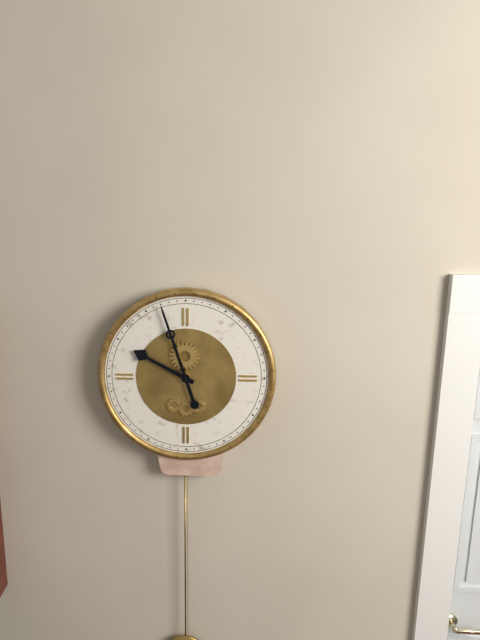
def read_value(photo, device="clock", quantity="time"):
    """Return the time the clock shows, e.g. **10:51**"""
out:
**9:57**
